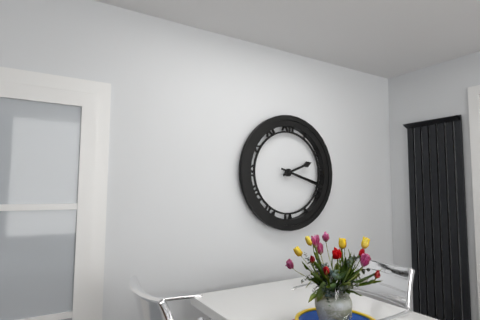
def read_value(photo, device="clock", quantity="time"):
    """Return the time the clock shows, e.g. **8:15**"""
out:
**2:18**
